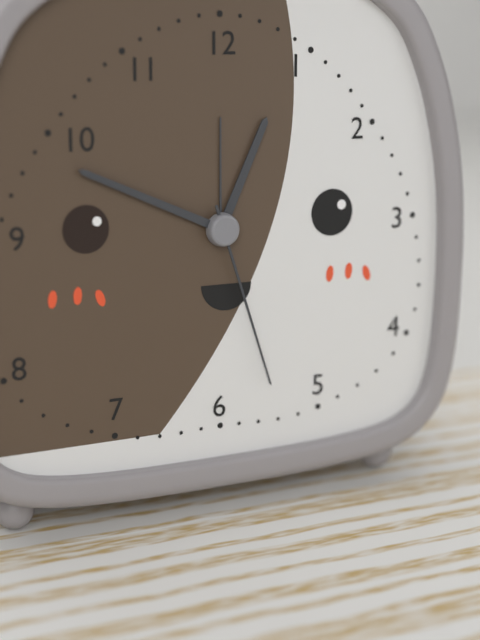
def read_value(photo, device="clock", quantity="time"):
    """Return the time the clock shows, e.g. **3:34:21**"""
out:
**12:49:27**
